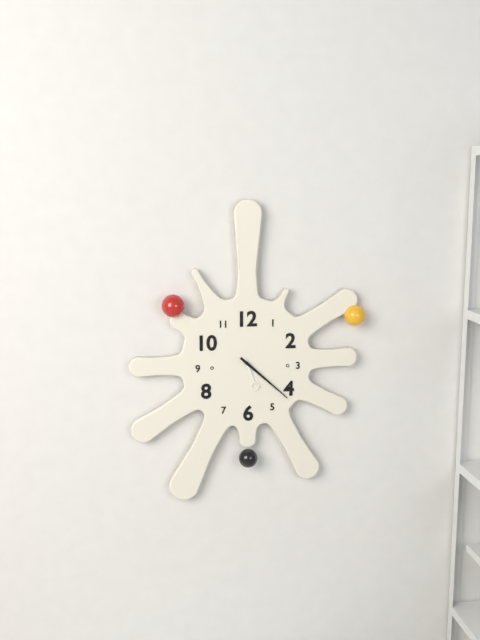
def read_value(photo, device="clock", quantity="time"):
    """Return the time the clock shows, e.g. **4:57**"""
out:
**5:22**
